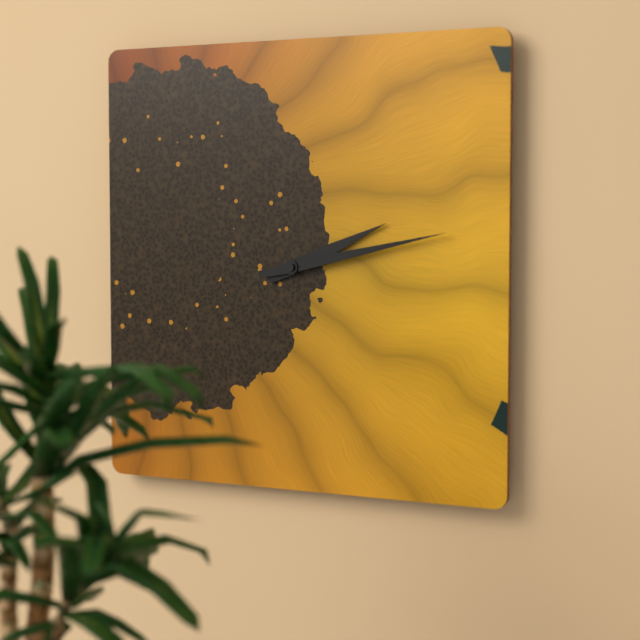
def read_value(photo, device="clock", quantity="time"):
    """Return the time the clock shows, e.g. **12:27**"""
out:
**2:13**
